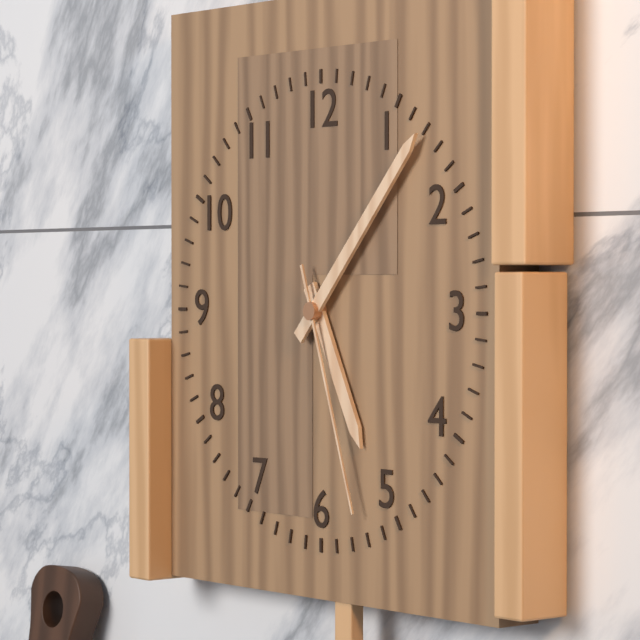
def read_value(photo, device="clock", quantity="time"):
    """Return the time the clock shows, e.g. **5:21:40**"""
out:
**5:07:27**
